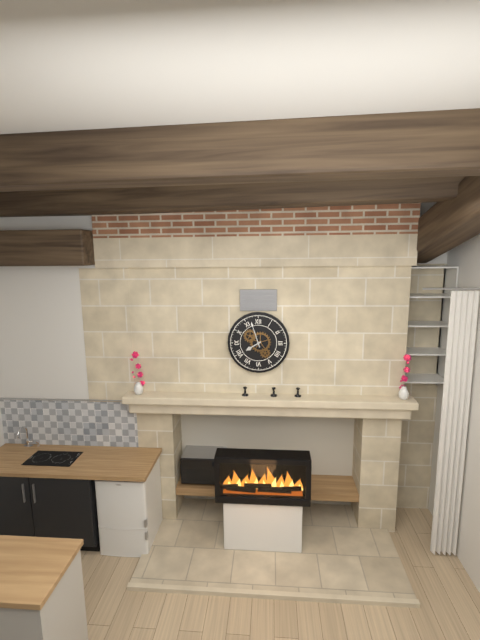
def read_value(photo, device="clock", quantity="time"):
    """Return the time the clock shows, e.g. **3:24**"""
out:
**7:57**
